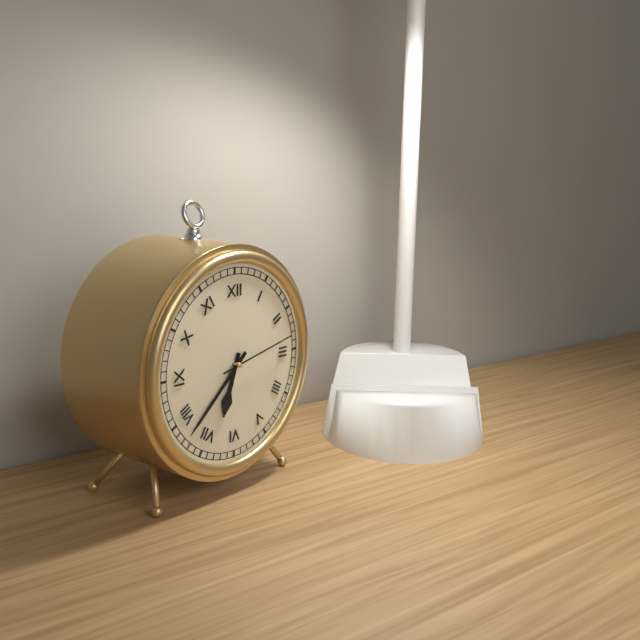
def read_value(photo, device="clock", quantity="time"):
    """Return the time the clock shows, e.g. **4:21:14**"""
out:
**6:38:13**
